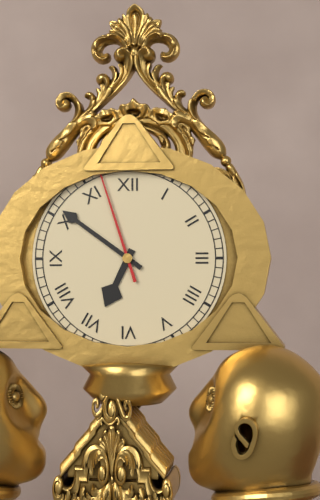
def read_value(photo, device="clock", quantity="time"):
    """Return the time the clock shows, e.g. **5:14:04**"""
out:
**6:51:57**
